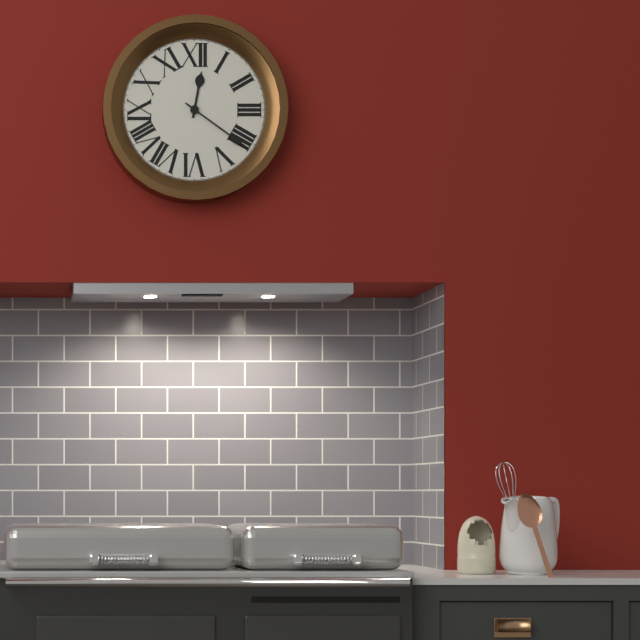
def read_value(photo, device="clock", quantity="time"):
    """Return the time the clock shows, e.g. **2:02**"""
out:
**12:21**
